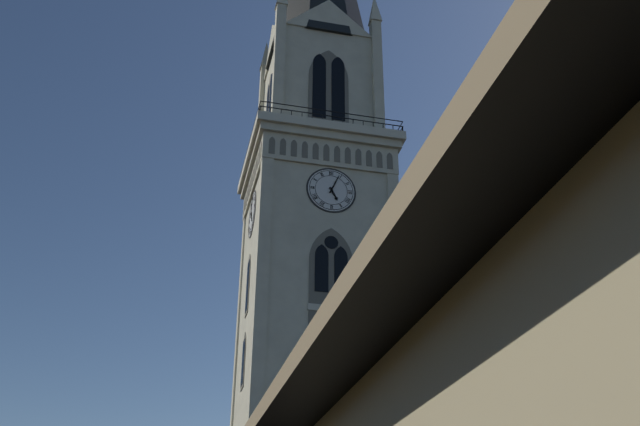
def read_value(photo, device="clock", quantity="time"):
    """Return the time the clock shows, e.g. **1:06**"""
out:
**5:04**
